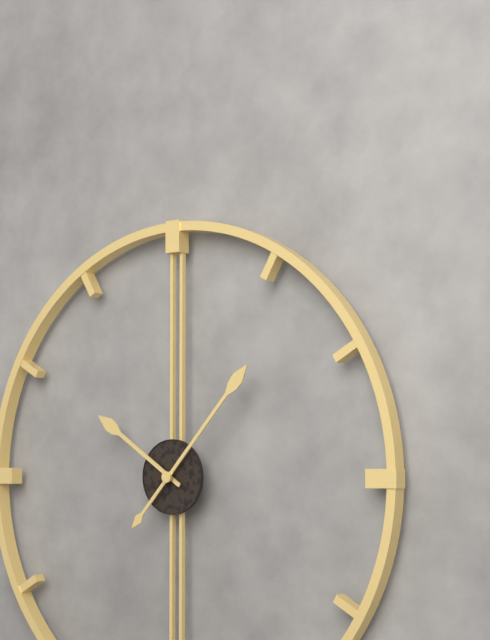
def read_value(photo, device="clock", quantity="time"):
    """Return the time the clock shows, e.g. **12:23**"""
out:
**10:07**
